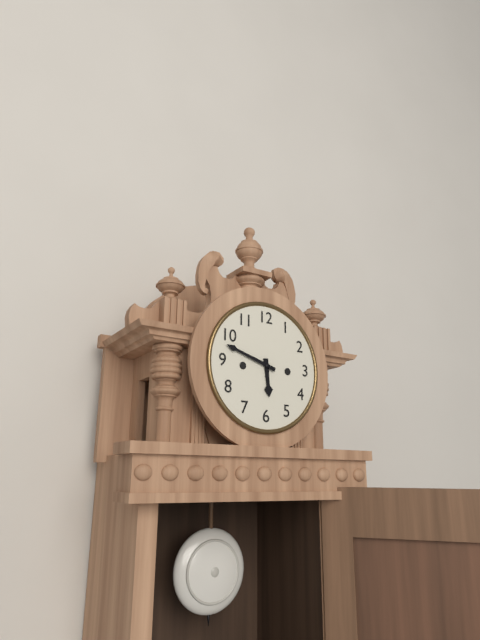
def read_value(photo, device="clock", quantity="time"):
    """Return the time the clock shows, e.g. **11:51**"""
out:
**5:48**
